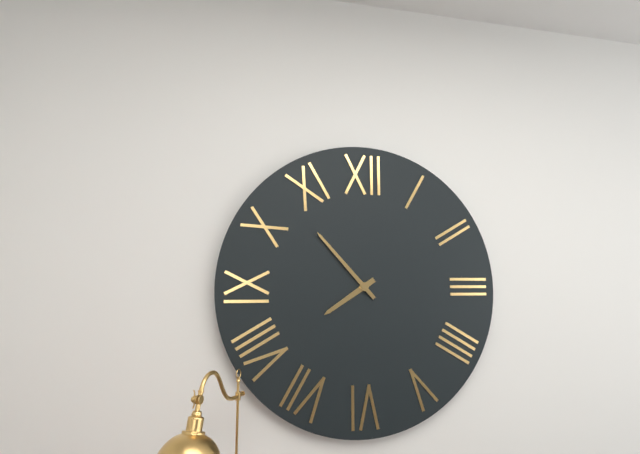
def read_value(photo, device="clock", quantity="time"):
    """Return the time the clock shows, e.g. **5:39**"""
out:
**7:53**
